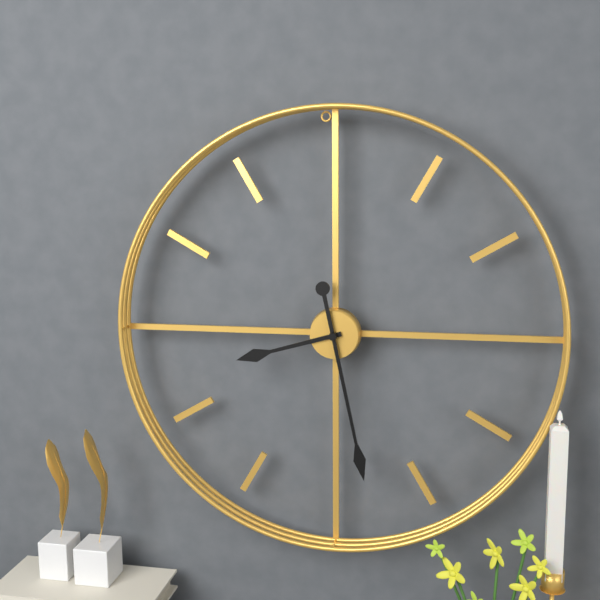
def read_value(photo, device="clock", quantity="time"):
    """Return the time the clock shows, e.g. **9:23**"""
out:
**8:28**
